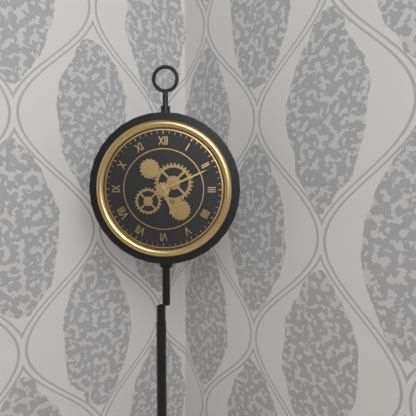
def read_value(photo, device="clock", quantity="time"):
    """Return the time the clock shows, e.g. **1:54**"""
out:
**5:11**
